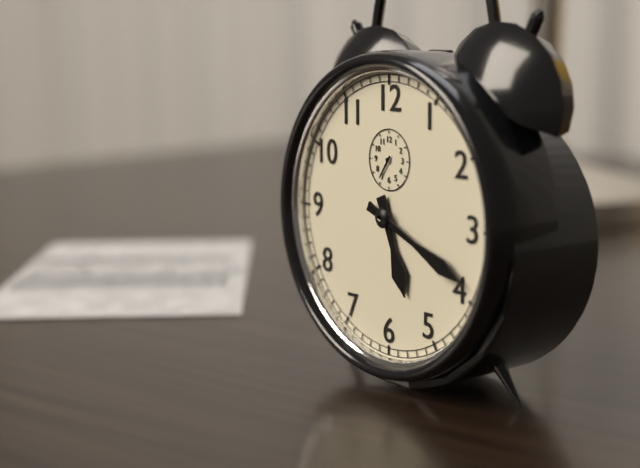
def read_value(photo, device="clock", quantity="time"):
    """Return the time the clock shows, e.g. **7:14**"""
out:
**5:19**
